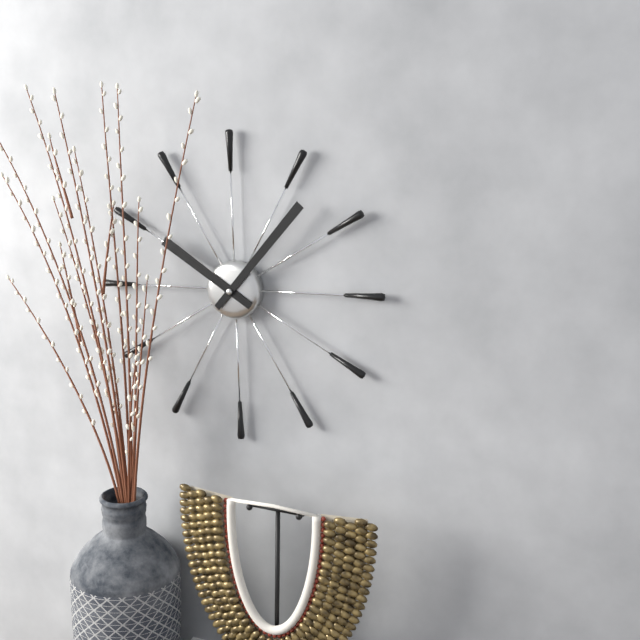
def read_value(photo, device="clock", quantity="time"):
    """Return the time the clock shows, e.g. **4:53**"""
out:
**10:07**
